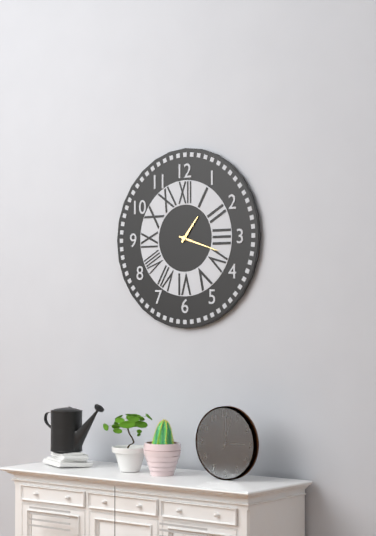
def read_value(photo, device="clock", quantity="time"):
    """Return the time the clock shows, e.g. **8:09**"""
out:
**1:18**
